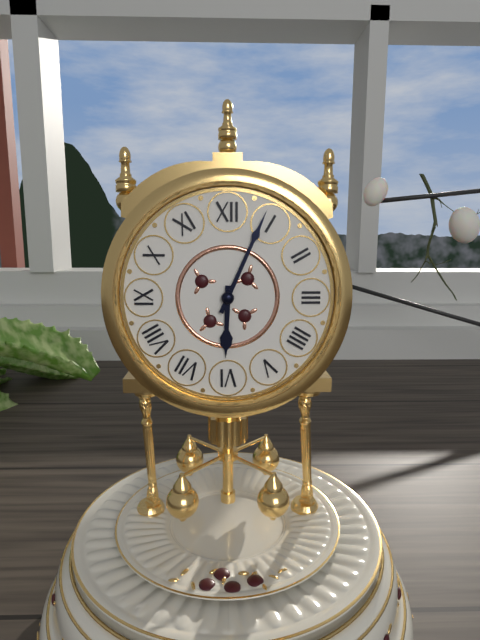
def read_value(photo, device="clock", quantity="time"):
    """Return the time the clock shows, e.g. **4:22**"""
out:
**6:04**
